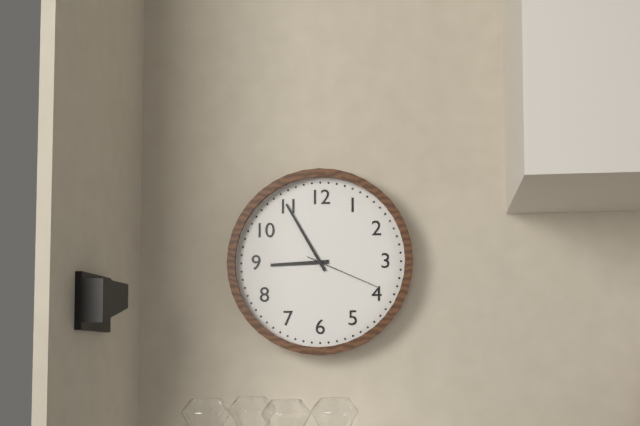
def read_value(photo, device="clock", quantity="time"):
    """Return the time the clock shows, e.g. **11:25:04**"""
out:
**8:55:19**
